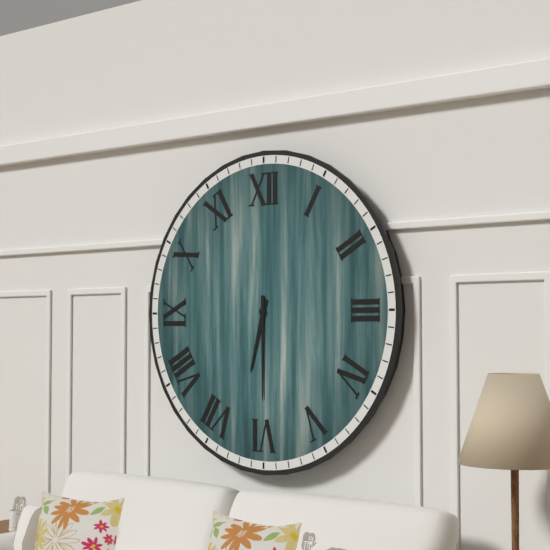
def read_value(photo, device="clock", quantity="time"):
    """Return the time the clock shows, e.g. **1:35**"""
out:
**6:30**
